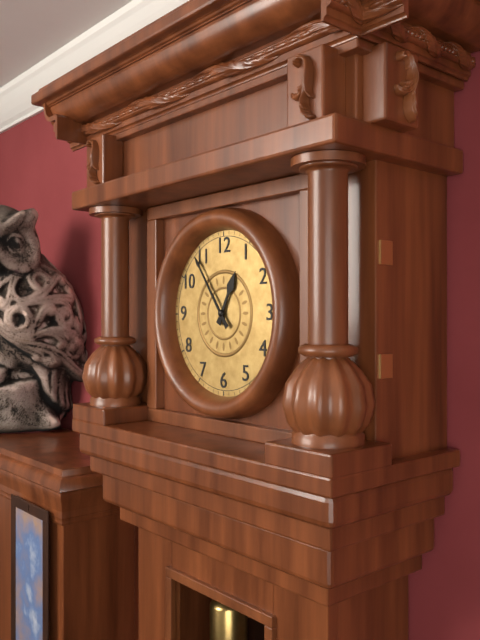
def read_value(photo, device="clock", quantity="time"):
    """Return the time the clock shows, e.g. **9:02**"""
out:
**12:54**
